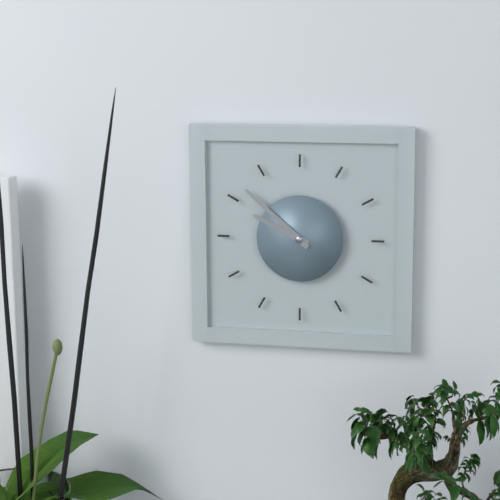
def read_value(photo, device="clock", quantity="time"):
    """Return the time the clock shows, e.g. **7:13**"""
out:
**9:52**
